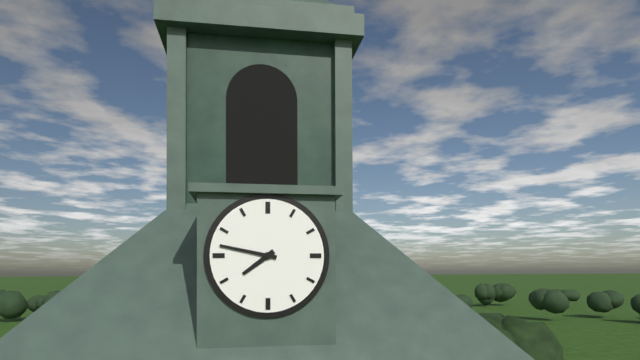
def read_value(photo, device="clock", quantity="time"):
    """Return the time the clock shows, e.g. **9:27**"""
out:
**7:47**
